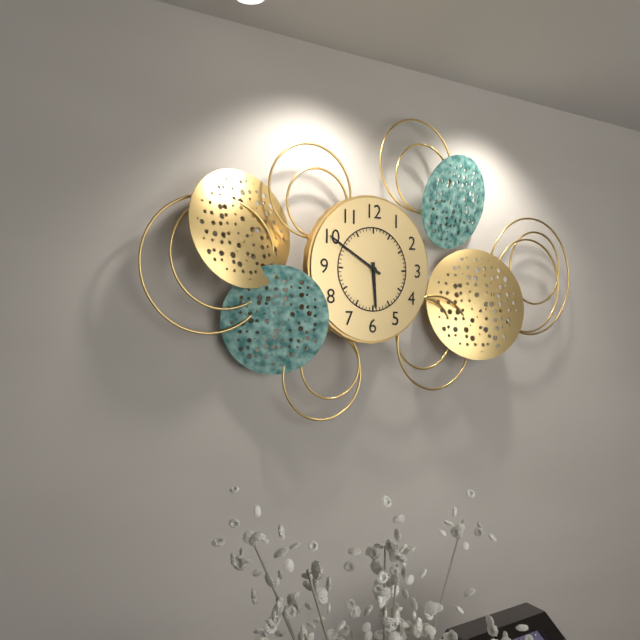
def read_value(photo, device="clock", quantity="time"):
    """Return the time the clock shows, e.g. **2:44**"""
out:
**5:50**
